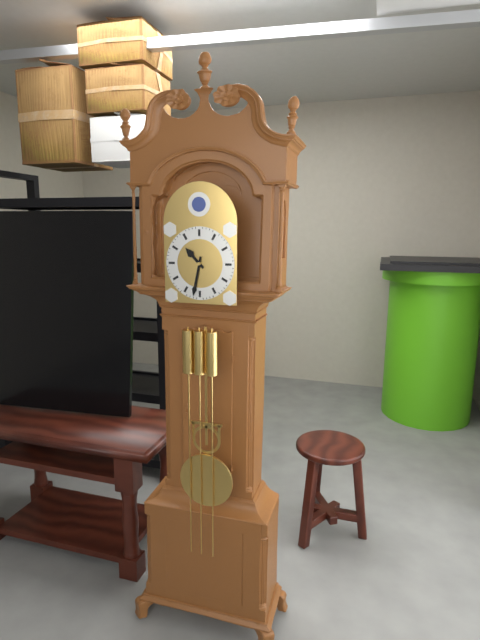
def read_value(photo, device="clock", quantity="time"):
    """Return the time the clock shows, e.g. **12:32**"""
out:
**10:32**
